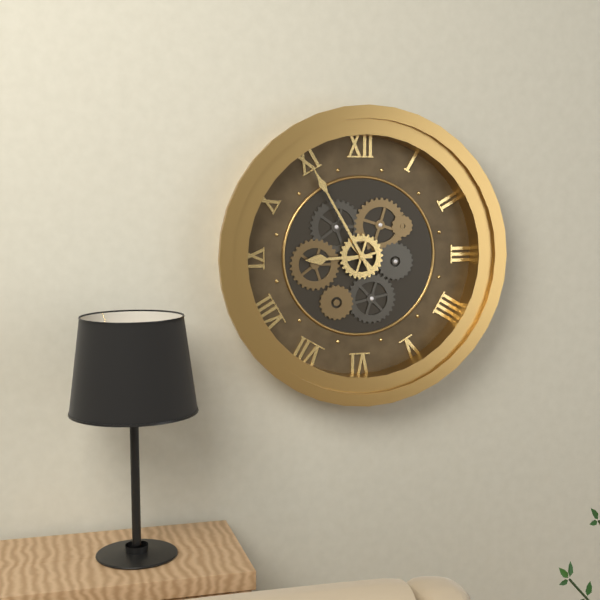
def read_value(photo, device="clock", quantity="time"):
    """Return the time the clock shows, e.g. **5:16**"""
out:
**8:55**
